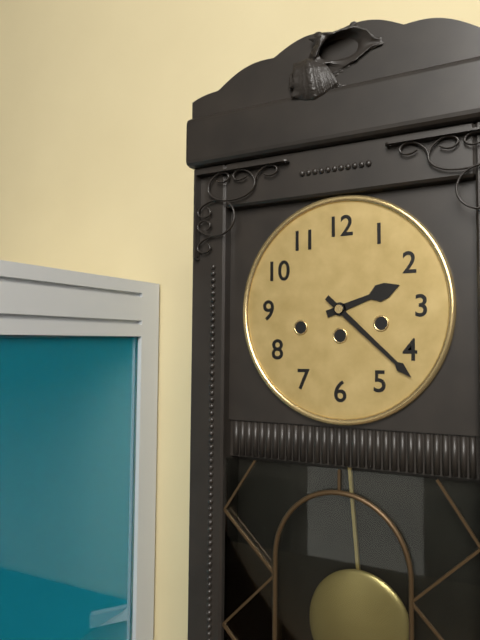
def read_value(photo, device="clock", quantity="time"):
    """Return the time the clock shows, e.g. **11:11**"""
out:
**2:22**
